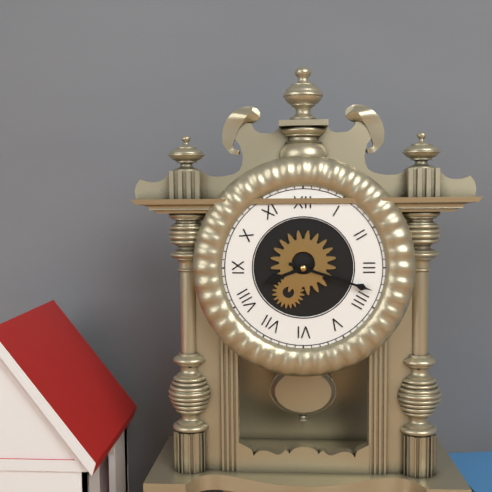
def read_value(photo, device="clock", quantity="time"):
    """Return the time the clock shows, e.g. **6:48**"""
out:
**8:18**
